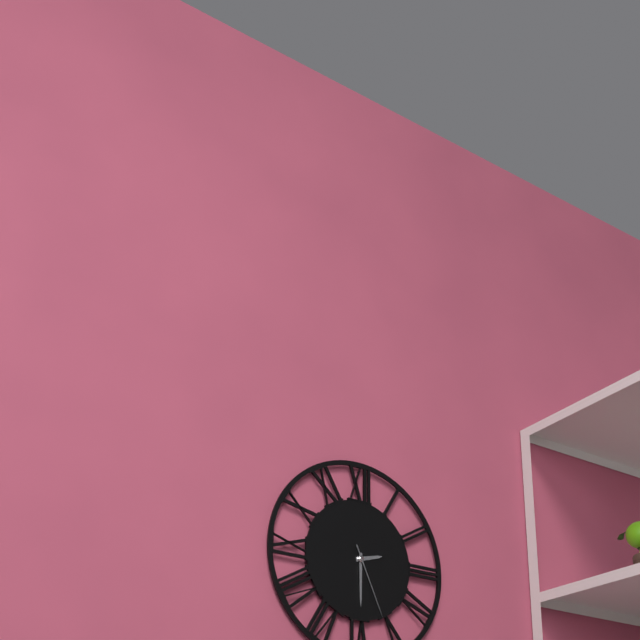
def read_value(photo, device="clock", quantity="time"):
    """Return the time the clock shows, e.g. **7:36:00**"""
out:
**2:30:26**
